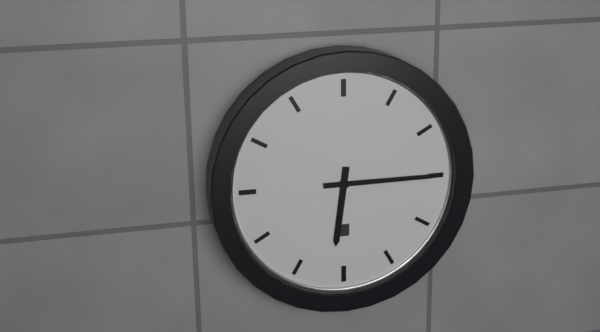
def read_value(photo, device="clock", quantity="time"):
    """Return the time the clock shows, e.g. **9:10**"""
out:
**6:15**
